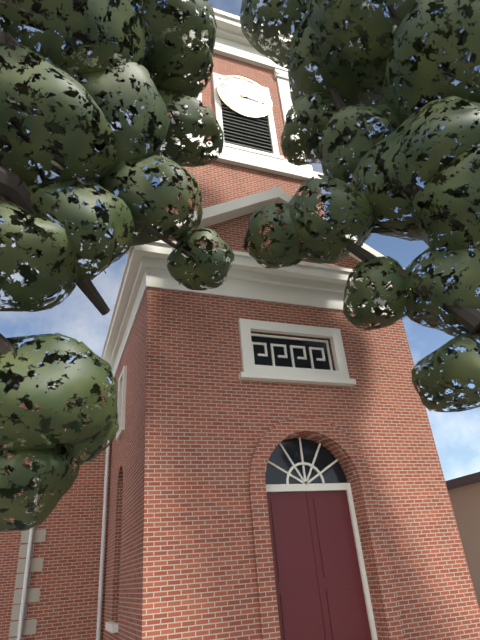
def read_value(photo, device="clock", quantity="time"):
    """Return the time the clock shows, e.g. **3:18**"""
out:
**2:16**
